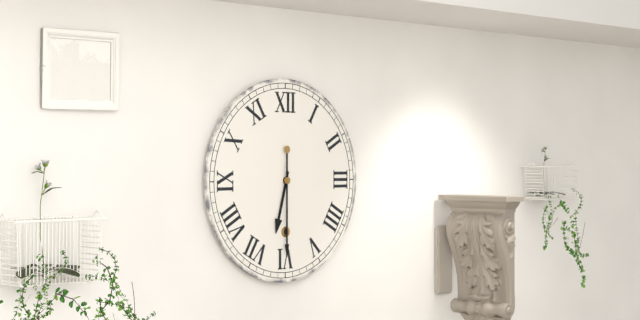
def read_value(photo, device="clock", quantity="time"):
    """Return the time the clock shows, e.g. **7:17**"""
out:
**6:30**
